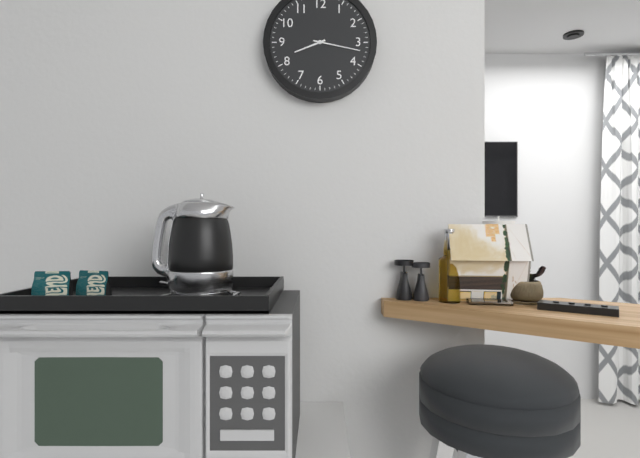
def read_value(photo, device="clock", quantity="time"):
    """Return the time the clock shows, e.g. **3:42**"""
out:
**8:17**
